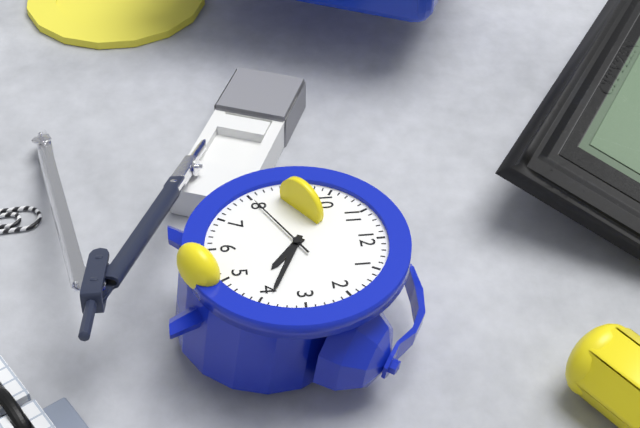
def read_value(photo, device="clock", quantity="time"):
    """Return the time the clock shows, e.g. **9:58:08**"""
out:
**4:19:40**
